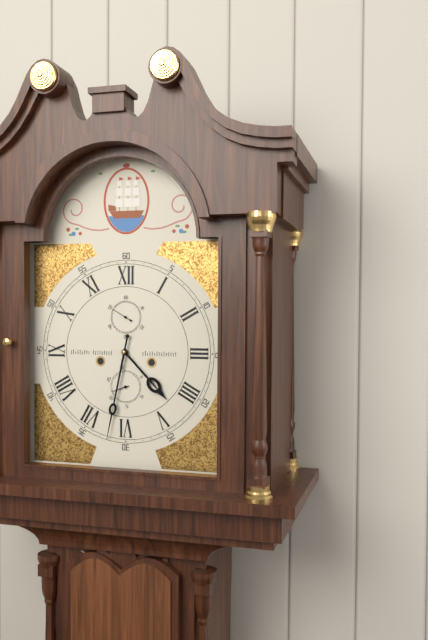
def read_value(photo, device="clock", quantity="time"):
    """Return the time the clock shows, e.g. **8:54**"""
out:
**4:32**
